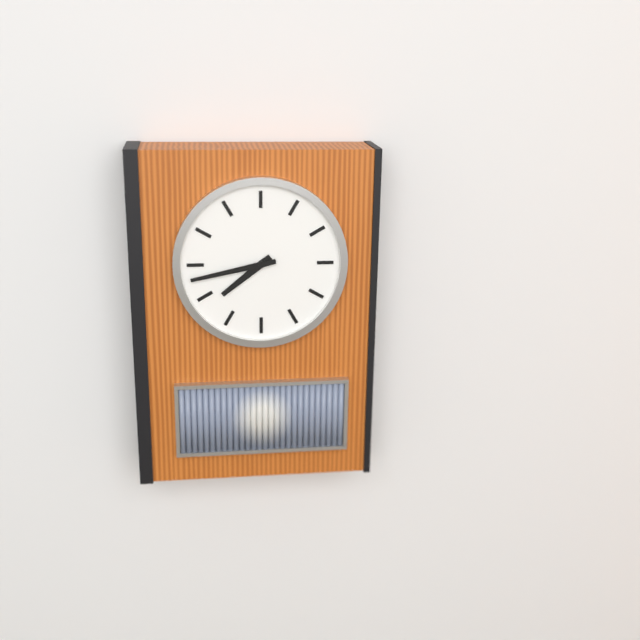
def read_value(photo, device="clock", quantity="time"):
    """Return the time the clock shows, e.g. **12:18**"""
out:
**7:43**
